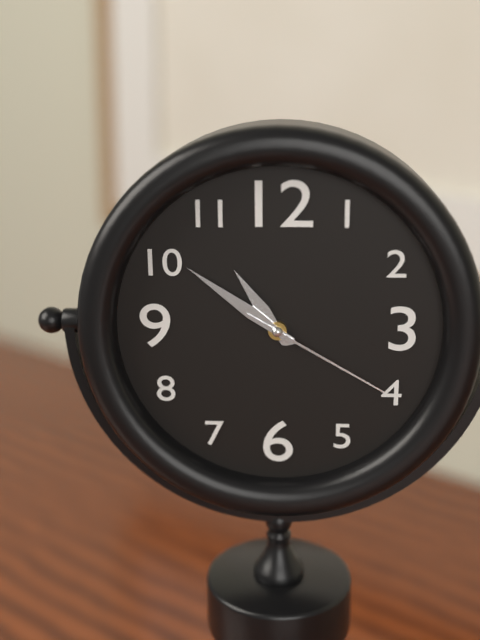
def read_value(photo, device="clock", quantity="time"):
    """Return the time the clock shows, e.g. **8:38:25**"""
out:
**10:51:20**
